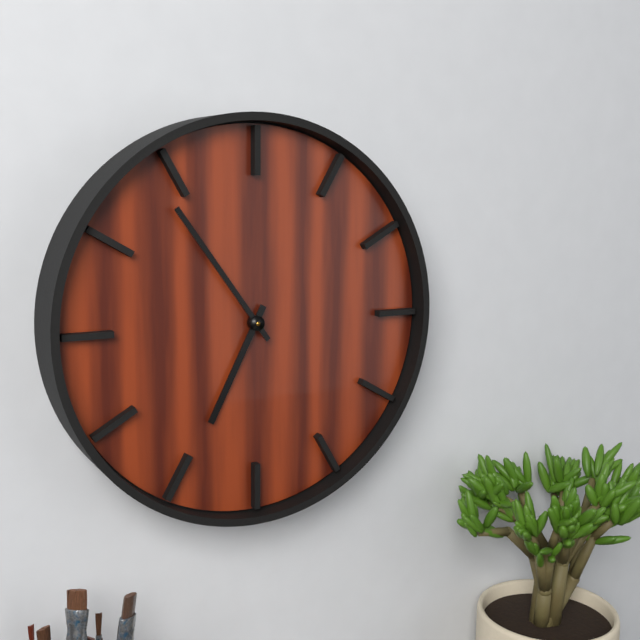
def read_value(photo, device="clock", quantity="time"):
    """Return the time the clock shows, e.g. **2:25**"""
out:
**6:54**
